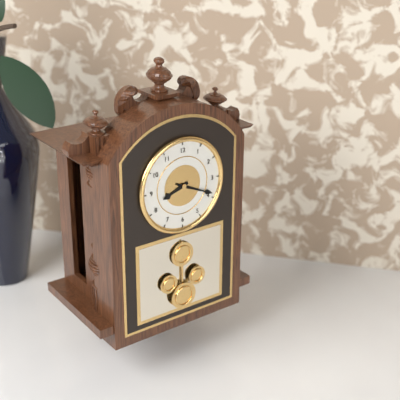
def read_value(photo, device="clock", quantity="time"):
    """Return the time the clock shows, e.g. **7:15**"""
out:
**8:19**
